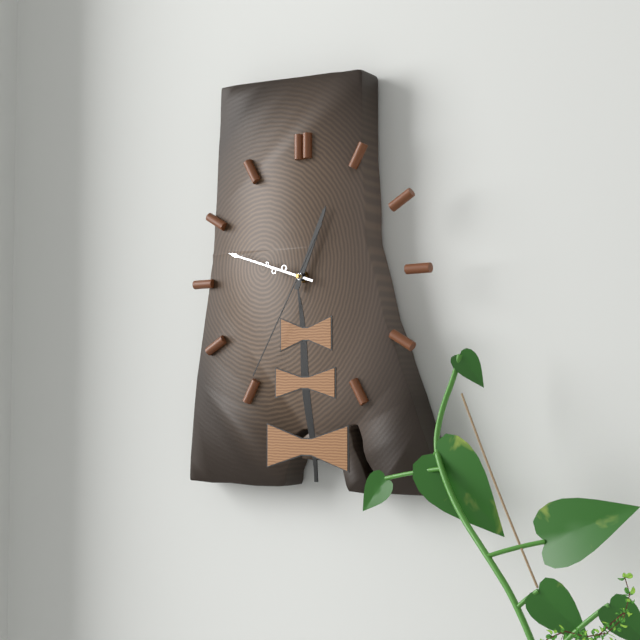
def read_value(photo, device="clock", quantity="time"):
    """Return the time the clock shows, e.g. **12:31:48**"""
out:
**12:48:35**
